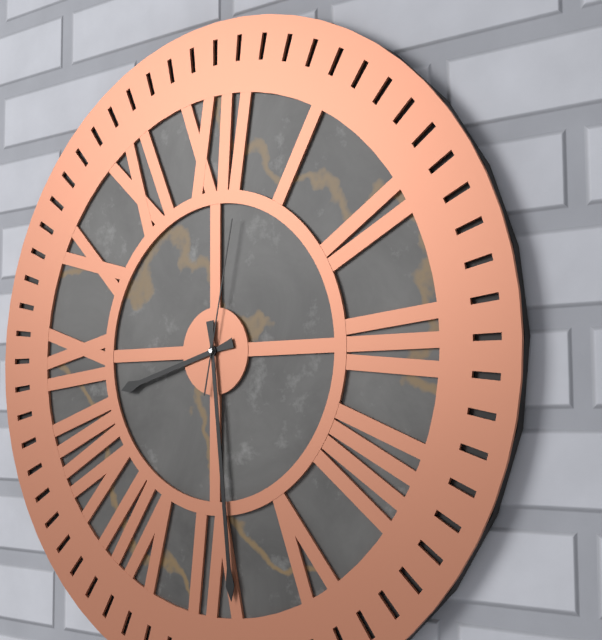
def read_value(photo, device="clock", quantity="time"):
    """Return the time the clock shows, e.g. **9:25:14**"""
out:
**8:29:02**
